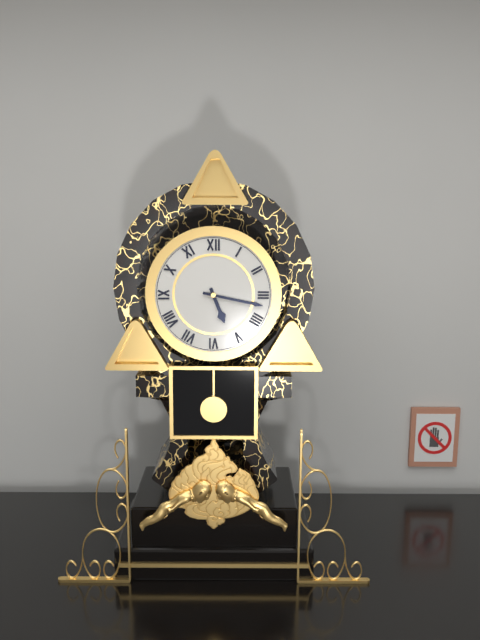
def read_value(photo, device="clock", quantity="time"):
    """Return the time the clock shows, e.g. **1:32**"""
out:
**5:17**
